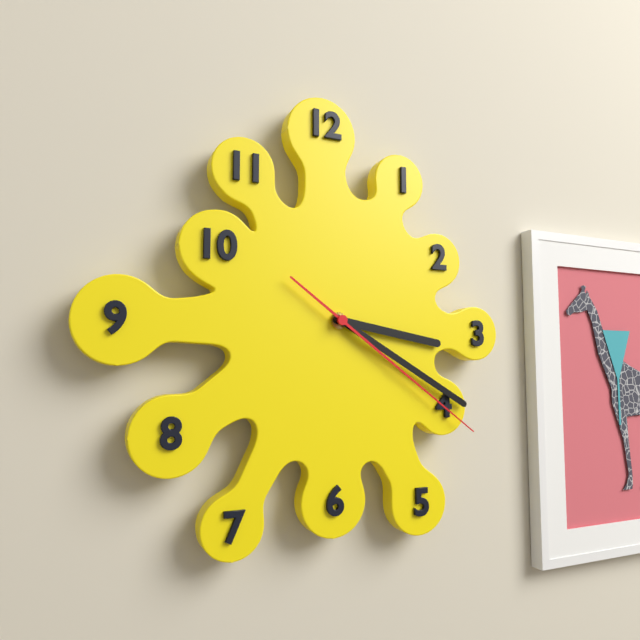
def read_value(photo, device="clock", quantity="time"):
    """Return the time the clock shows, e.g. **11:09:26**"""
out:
**3:20:21**
